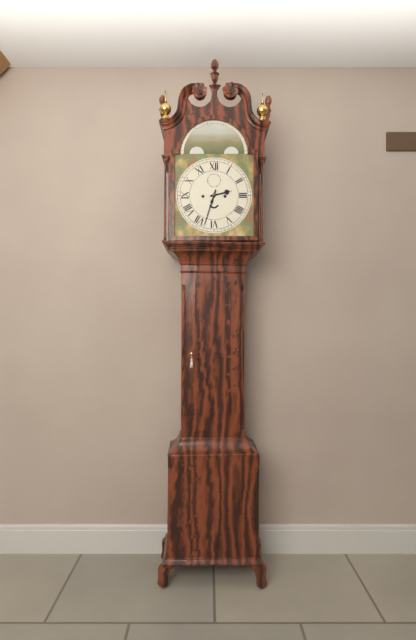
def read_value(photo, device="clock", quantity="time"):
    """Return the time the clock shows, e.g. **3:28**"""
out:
**2:33**
